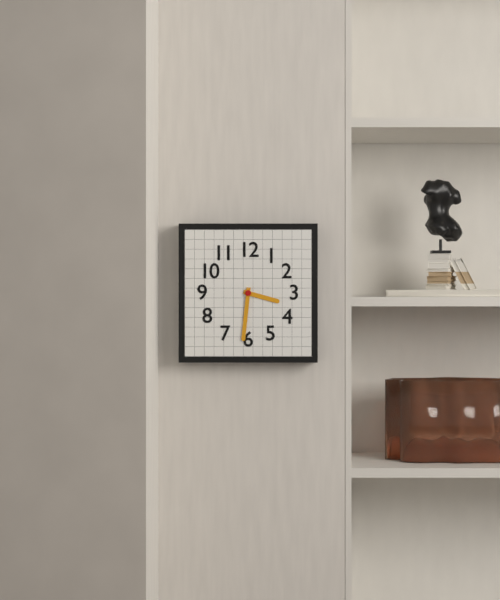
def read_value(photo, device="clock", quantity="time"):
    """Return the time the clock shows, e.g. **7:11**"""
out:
**3:31**
